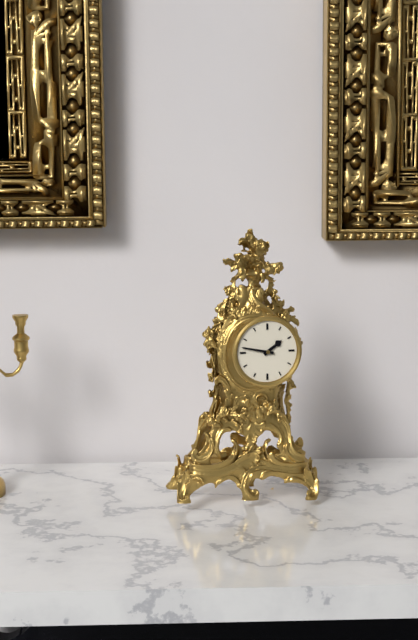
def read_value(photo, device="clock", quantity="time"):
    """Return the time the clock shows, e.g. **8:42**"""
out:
**1:47**
